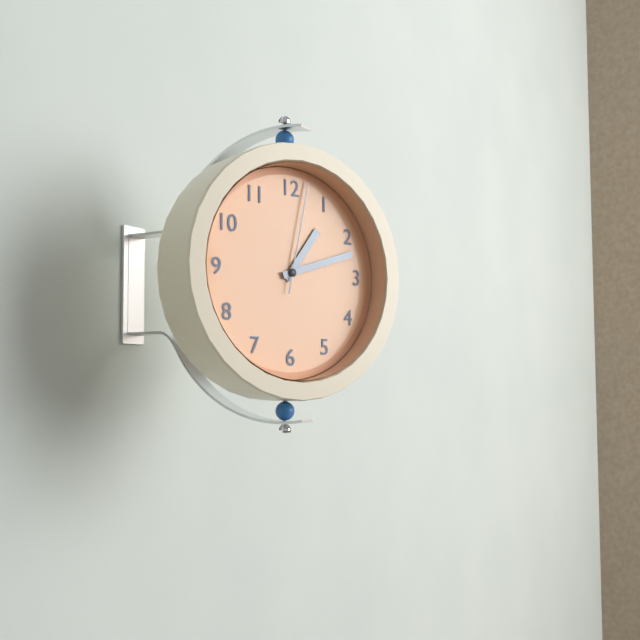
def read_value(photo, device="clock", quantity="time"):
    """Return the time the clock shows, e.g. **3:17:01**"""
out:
**1:12:02**
